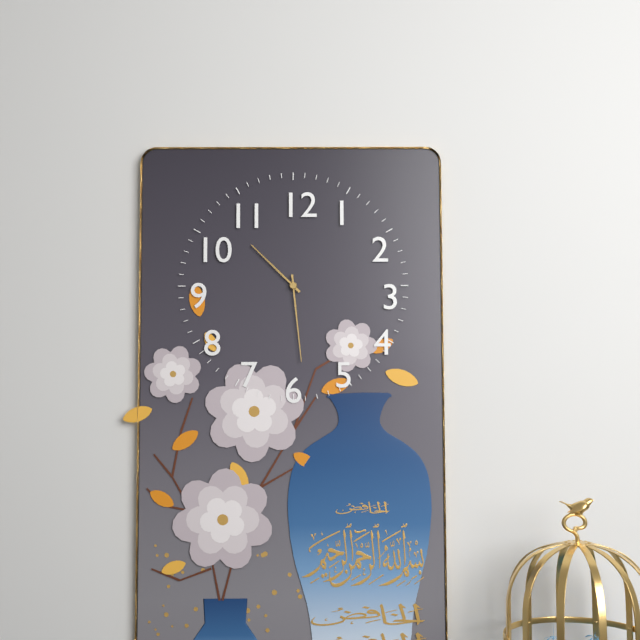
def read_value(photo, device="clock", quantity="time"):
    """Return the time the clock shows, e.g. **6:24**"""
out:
**10:29**
